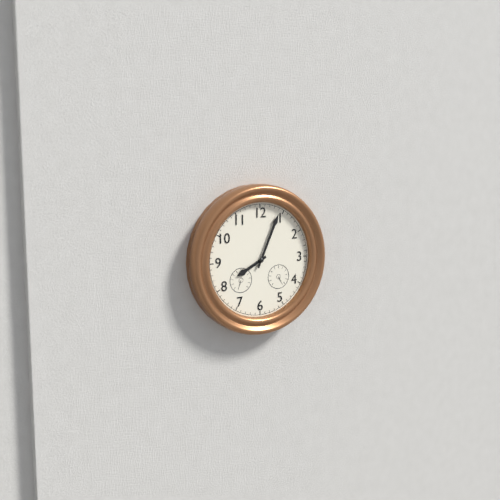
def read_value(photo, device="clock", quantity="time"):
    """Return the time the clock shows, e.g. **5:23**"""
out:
**8:04**
